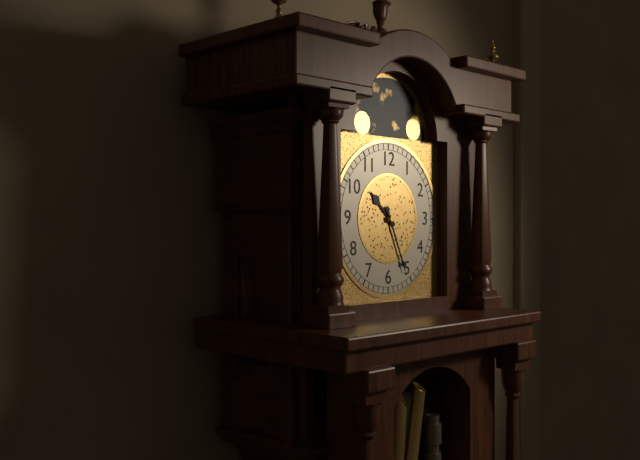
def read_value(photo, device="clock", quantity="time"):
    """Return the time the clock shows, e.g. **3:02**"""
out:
**10:26**
